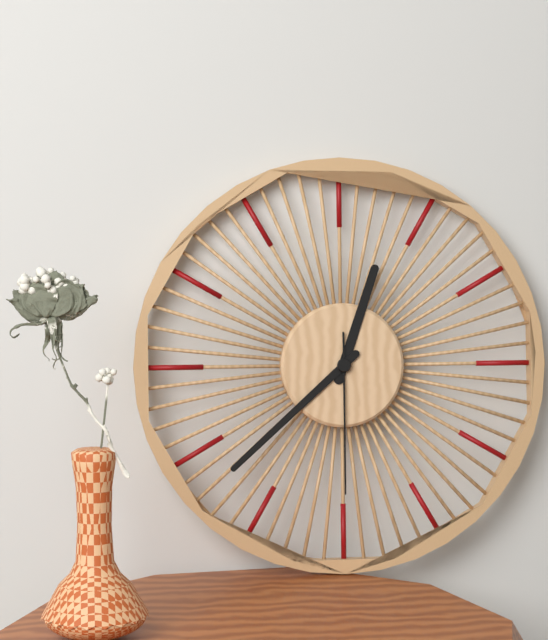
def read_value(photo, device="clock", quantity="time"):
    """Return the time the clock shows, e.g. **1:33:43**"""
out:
**12:38:30**
